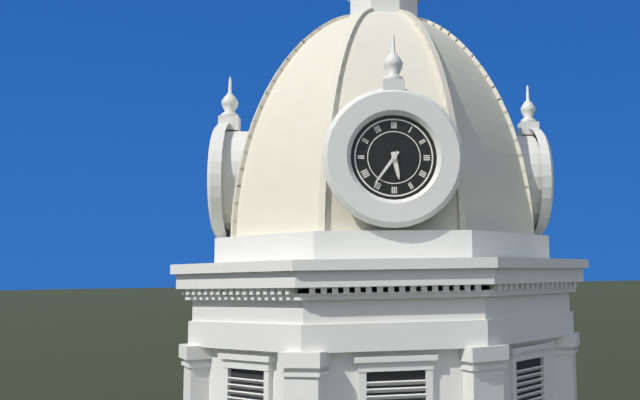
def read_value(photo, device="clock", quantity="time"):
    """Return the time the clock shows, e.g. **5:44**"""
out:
**5:36**
